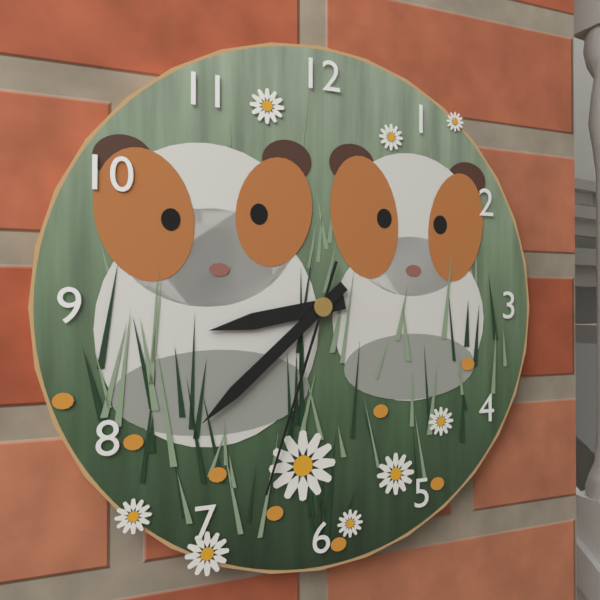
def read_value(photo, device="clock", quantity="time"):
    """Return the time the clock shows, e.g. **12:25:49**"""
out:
**8:38:33**
